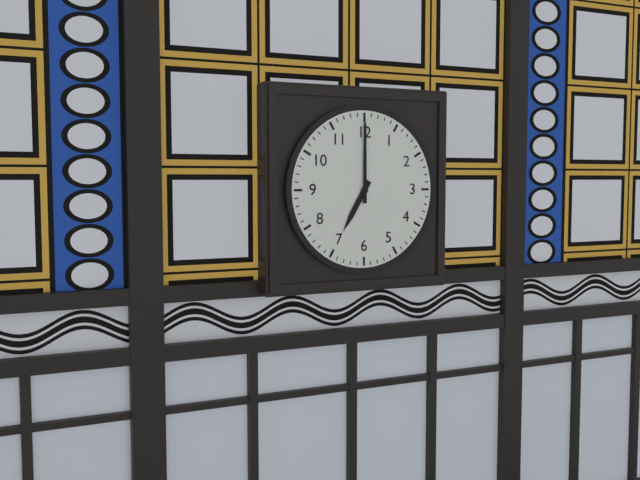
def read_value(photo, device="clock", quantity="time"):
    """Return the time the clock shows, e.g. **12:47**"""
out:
**7:00**
